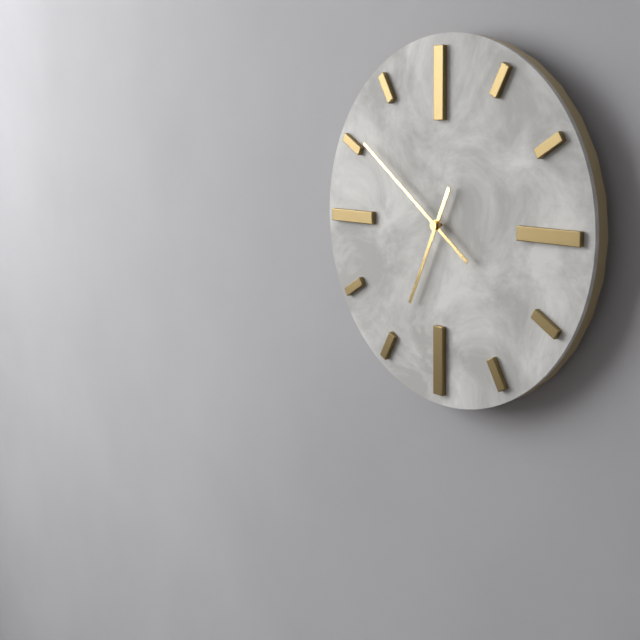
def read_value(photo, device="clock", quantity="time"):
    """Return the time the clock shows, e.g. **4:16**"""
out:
**6:51**
